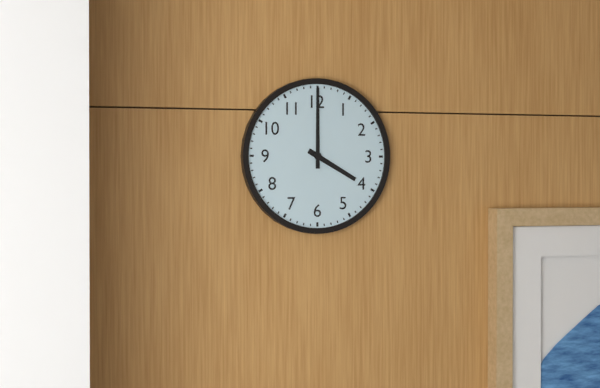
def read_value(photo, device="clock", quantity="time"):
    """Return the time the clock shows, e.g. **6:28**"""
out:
**4:00**
